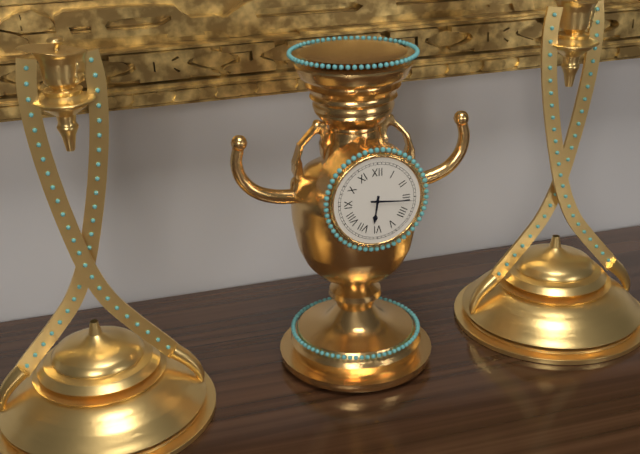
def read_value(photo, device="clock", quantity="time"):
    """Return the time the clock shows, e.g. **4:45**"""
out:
**6:16**
